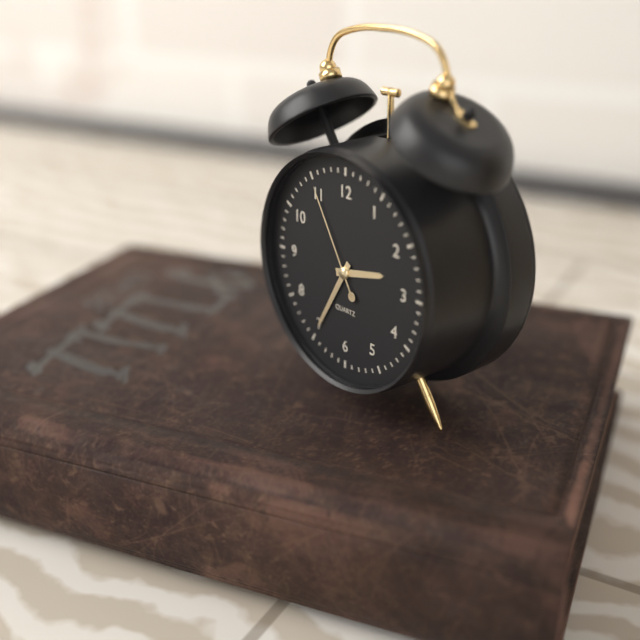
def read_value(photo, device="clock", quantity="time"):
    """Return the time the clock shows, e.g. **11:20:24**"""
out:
**2:35:55**
